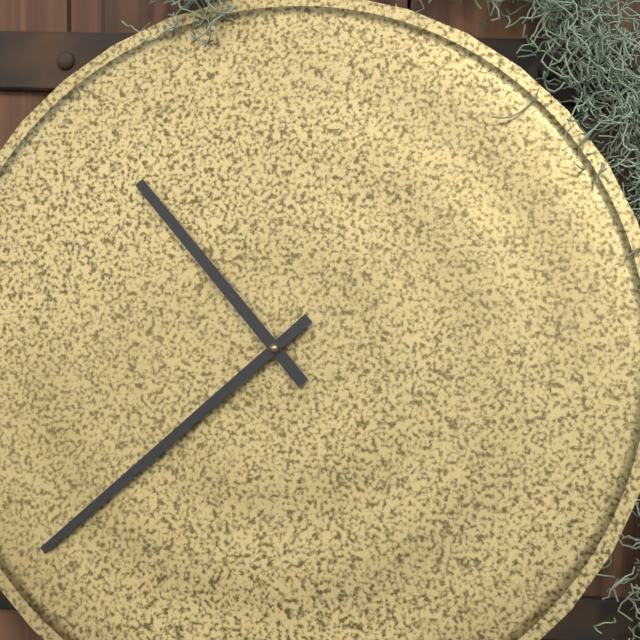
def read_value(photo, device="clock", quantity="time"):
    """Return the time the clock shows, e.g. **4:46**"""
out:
**10:38**
